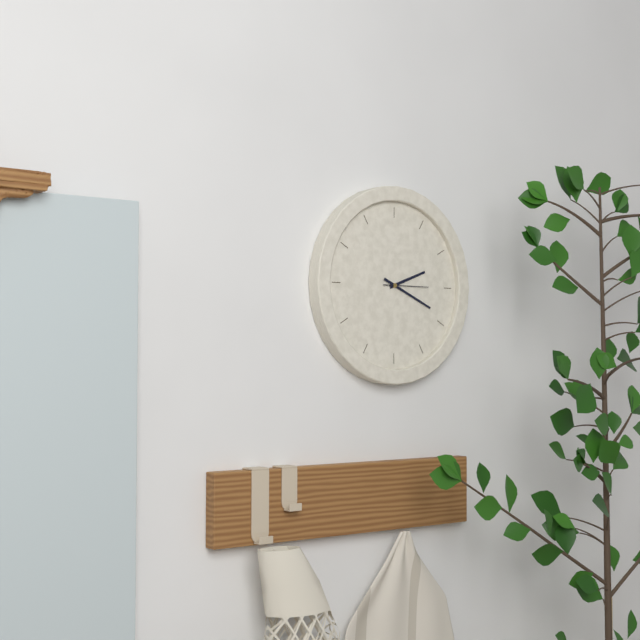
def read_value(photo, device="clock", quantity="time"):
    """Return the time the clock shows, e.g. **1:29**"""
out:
**2:19**
